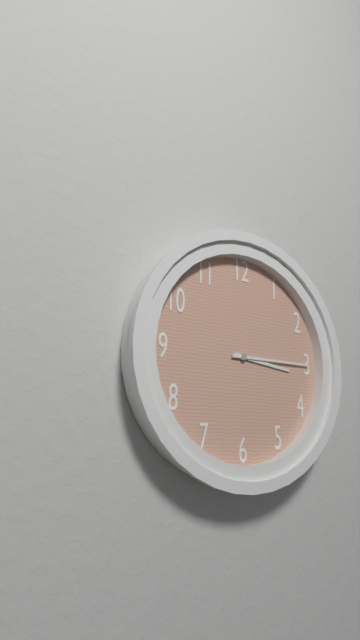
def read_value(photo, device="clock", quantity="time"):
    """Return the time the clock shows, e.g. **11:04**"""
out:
**3:15**
